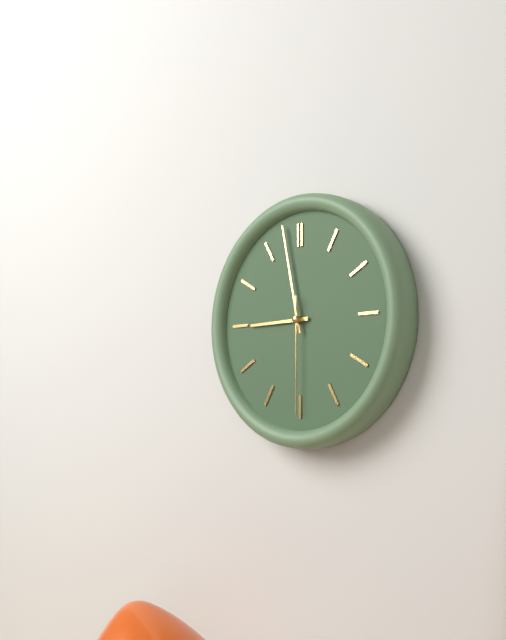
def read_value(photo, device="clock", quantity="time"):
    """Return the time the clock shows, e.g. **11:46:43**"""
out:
**8:58:30**
